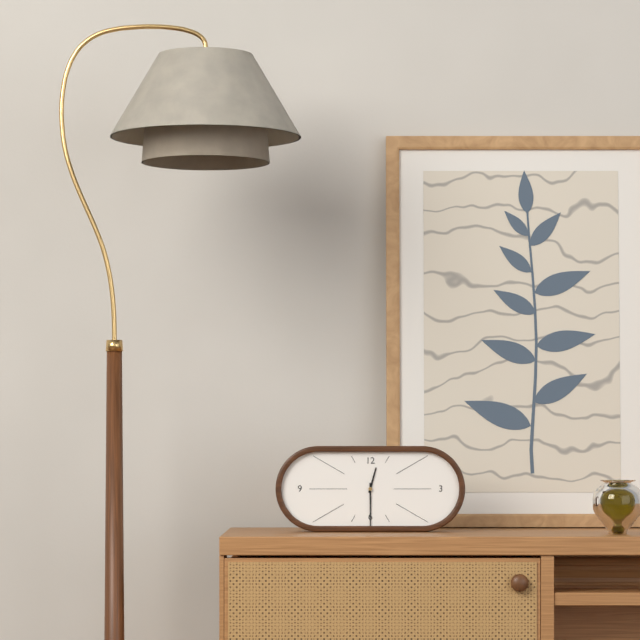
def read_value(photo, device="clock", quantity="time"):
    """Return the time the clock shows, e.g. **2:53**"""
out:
**12:30**
